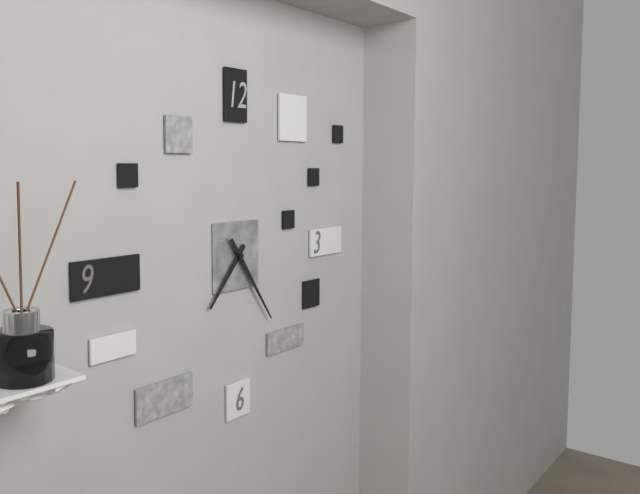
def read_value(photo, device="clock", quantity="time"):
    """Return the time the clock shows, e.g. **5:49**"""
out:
**7:24**
